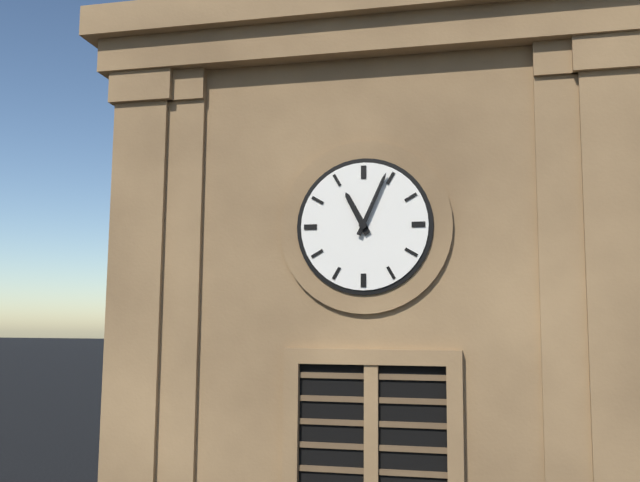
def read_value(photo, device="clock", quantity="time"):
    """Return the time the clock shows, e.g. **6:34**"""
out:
**11:04**
